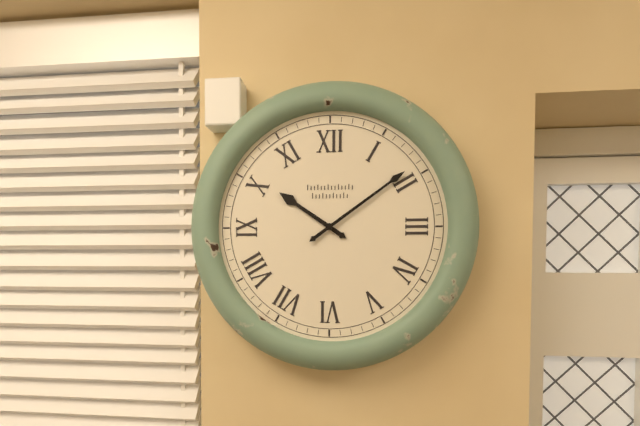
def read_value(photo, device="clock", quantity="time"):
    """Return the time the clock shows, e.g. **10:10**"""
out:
**10:09**
